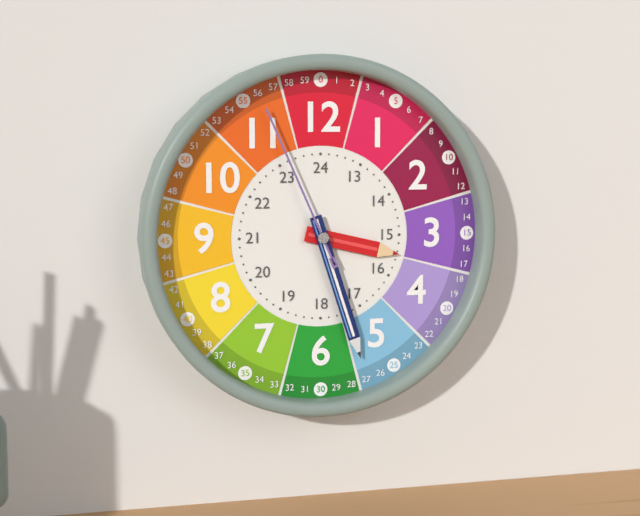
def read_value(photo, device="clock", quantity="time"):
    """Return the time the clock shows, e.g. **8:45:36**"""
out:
**3:27:56**
